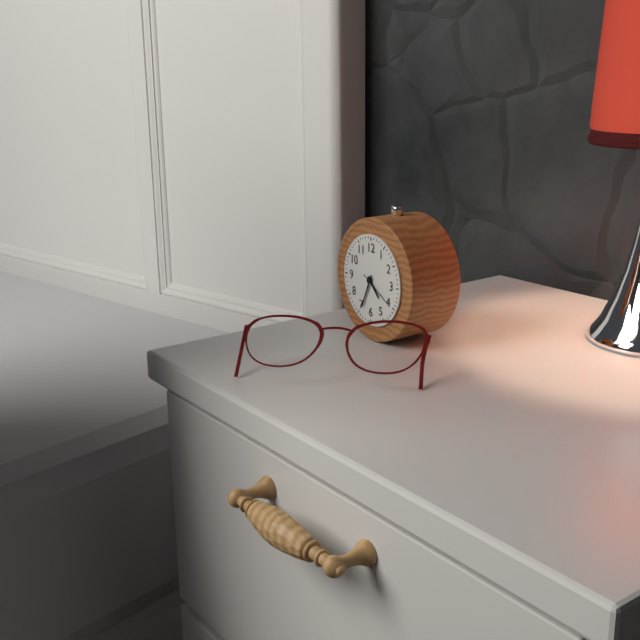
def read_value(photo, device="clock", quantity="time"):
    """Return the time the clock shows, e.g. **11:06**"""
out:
**4:34**
